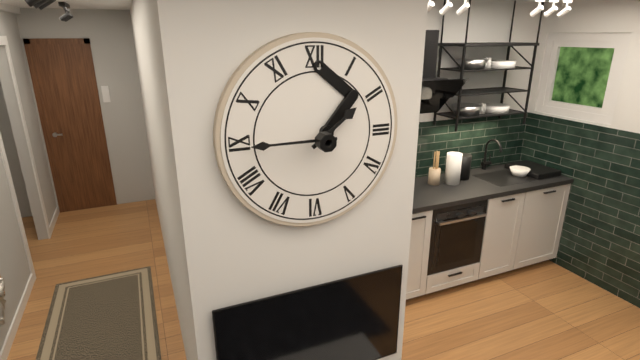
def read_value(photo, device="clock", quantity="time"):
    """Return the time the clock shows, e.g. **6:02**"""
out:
**1:45**
